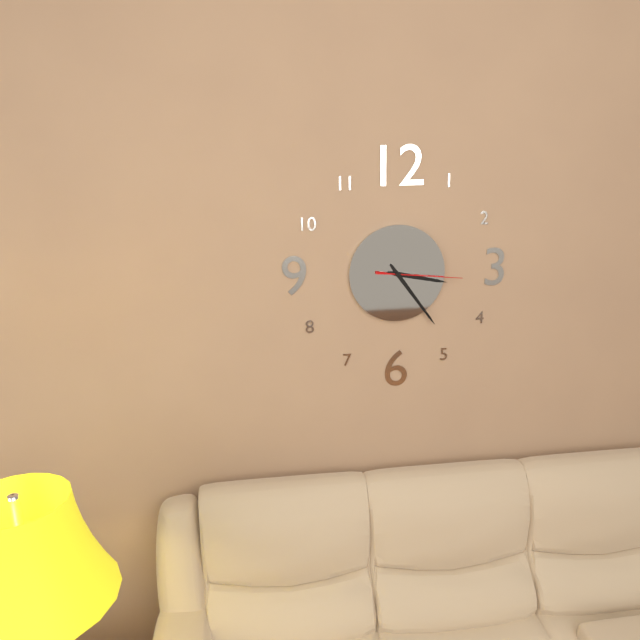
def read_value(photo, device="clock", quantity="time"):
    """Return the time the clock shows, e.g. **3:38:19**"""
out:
**3:24:16**
